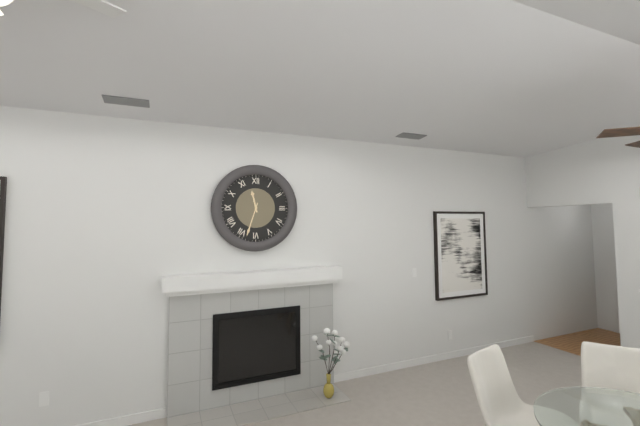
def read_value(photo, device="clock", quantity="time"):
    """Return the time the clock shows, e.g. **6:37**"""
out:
**11:33**
